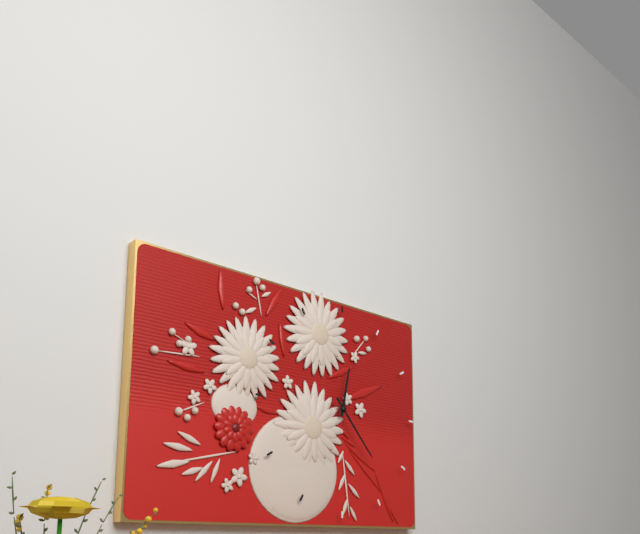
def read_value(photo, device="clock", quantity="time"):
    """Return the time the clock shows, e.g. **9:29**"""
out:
**12:23**
